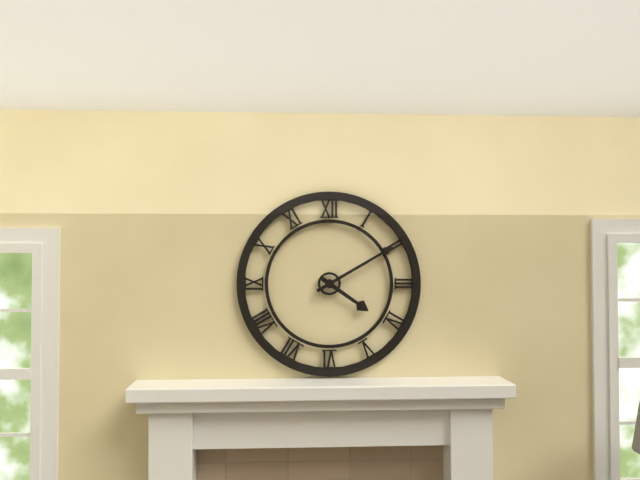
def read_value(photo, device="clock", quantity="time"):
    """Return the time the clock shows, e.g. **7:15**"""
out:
**4:10**
